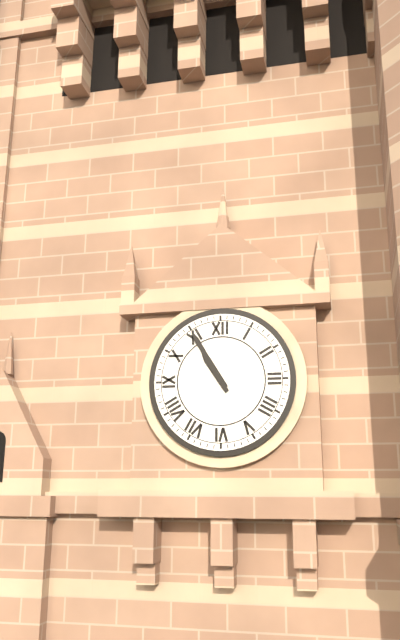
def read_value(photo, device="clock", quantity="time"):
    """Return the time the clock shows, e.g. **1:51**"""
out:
**10:55**
